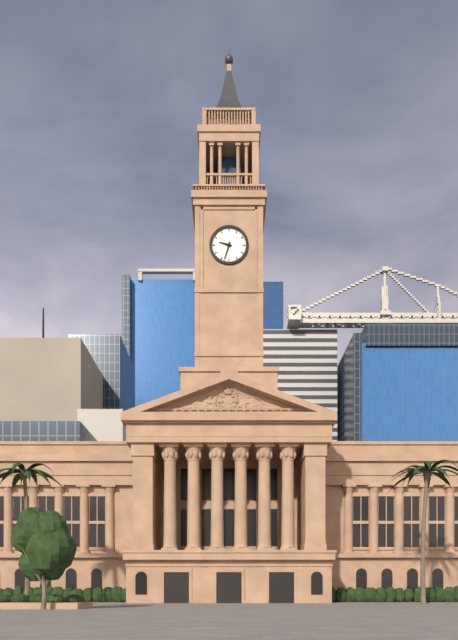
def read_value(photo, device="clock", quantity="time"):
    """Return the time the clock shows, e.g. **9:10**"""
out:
**9:33**
